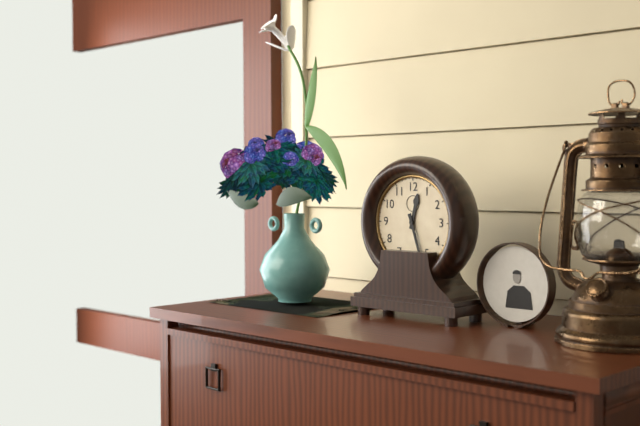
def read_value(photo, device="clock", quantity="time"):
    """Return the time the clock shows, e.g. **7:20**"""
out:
**12:27**
